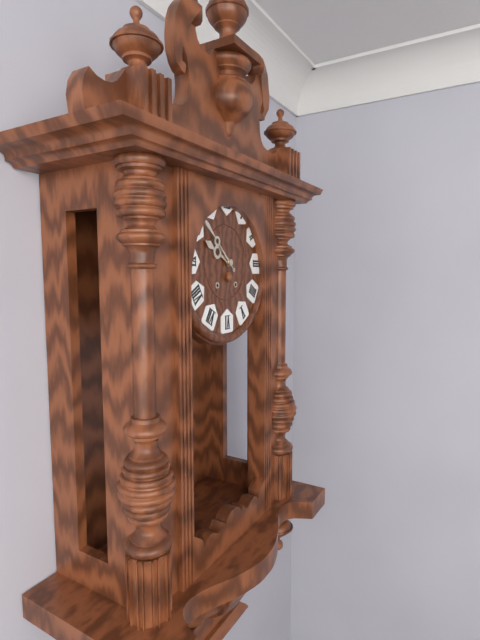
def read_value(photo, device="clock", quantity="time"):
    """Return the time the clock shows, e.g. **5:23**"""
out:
**9:52**
